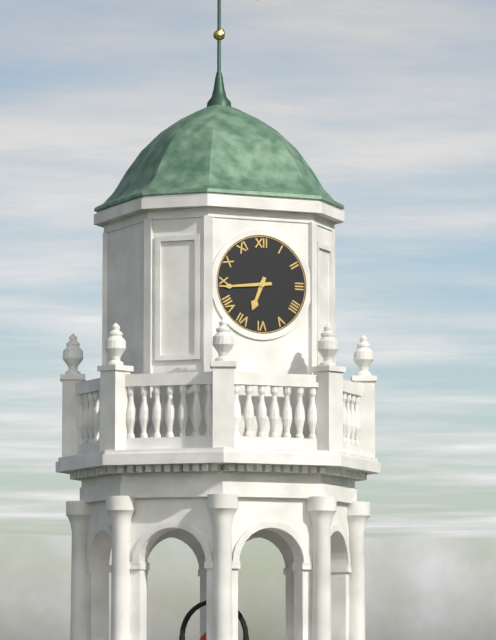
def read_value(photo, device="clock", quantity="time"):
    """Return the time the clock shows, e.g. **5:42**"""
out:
**6:44**
